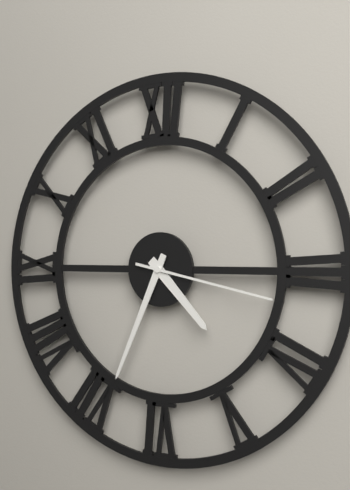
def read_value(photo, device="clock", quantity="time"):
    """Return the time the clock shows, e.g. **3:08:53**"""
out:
**4:34:17**
